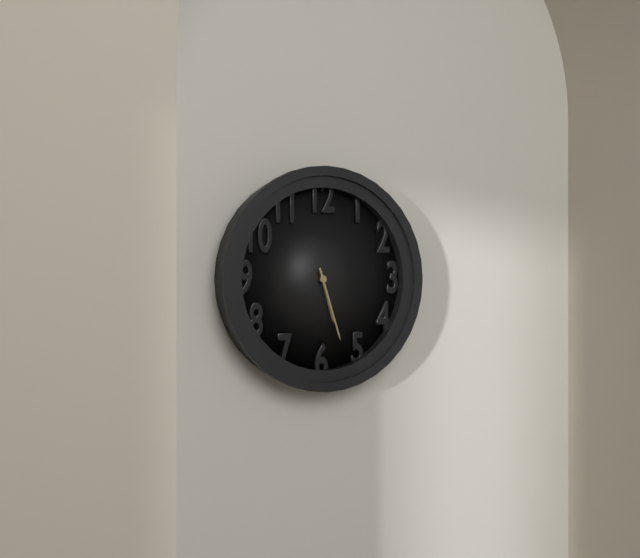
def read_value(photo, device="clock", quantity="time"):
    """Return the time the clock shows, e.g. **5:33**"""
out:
**5:27**
